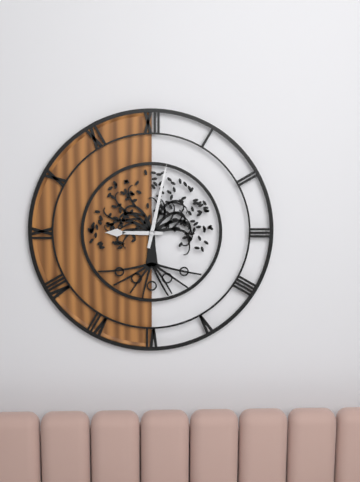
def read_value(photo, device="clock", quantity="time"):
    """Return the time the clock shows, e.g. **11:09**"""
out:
**9:02**
